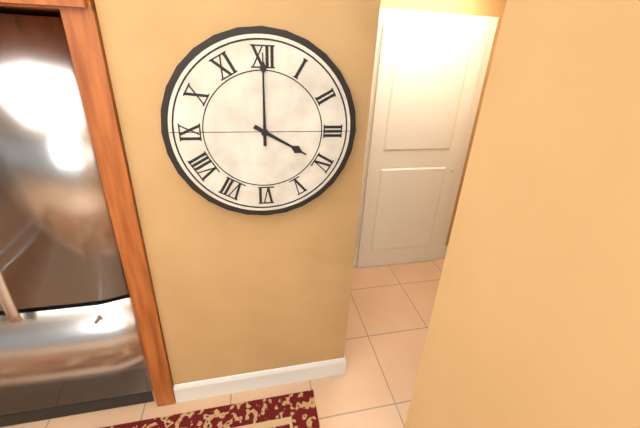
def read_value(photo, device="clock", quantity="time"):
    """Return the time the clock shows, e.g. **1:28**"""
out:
**4:00**
